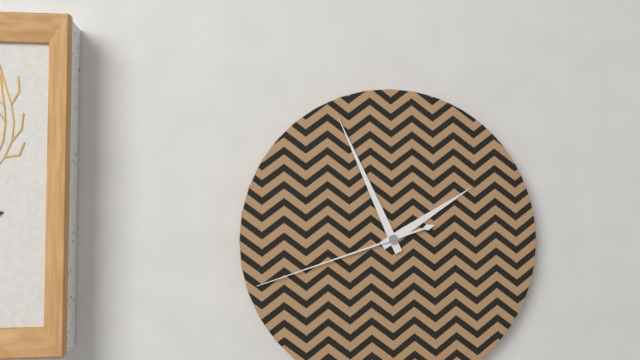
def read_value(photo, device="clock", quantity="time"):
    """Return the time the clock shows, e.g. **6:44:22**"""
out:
**1:56:42**
